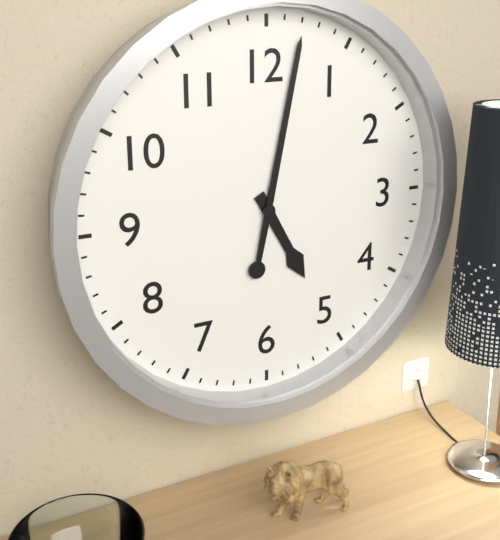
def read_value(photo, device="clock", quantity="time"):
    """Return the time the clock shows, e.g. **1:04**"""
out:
**5:02**
